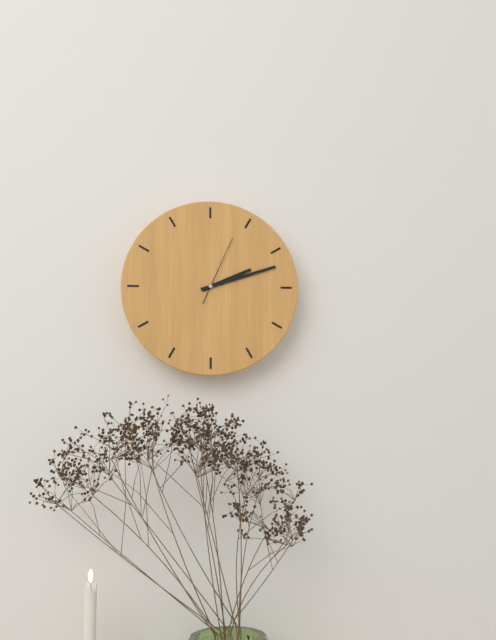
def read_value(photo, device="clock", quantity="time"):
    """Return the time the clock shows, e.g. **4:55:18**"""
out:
**2:12:04**
